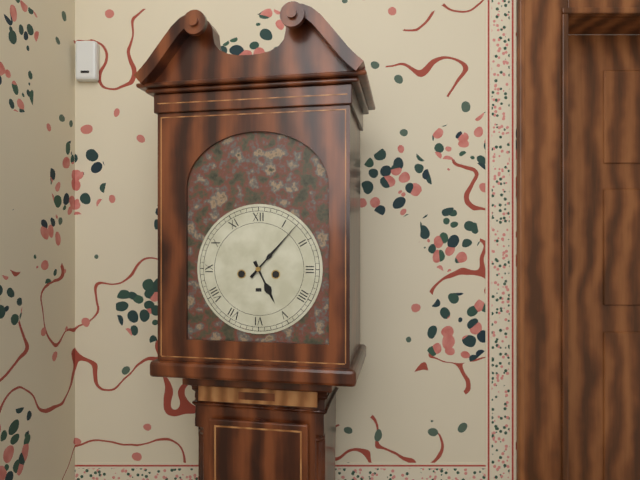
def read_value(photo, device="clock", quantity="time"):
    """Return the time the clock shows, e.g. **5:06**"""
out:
**5:07**
